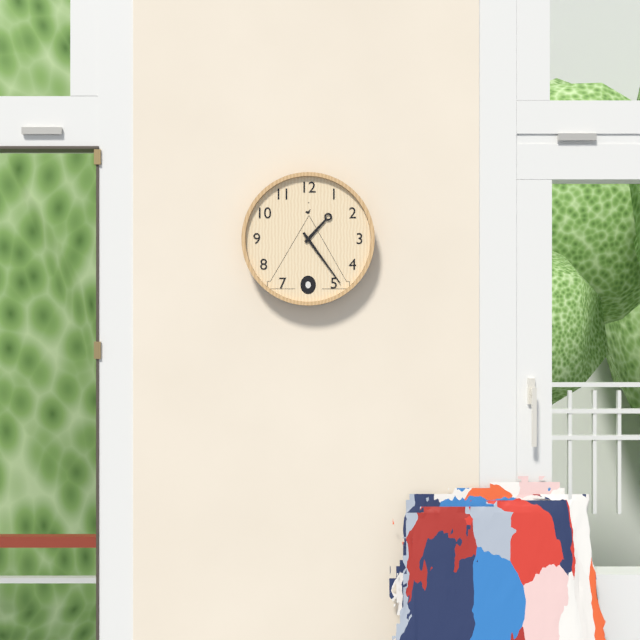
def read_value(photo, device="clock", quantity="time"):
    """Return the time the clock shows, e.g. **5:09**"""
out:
**1:24**
